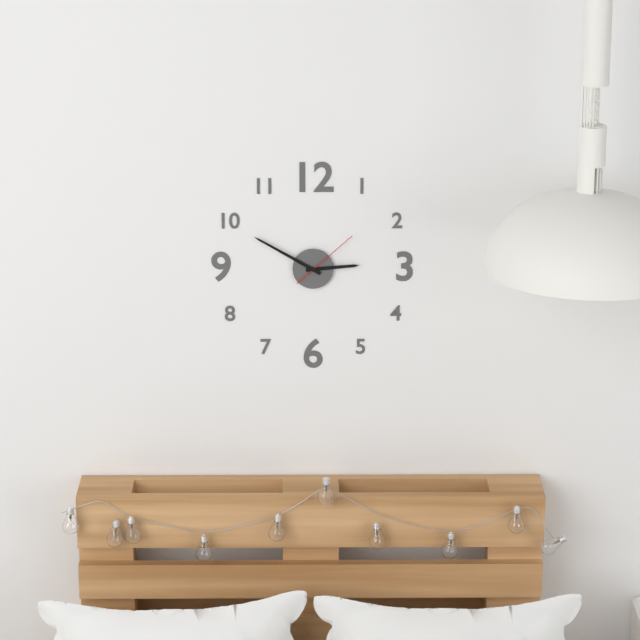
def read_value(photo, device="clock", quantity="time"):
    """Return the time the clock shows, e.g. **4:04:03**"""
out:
**2:50:08**
